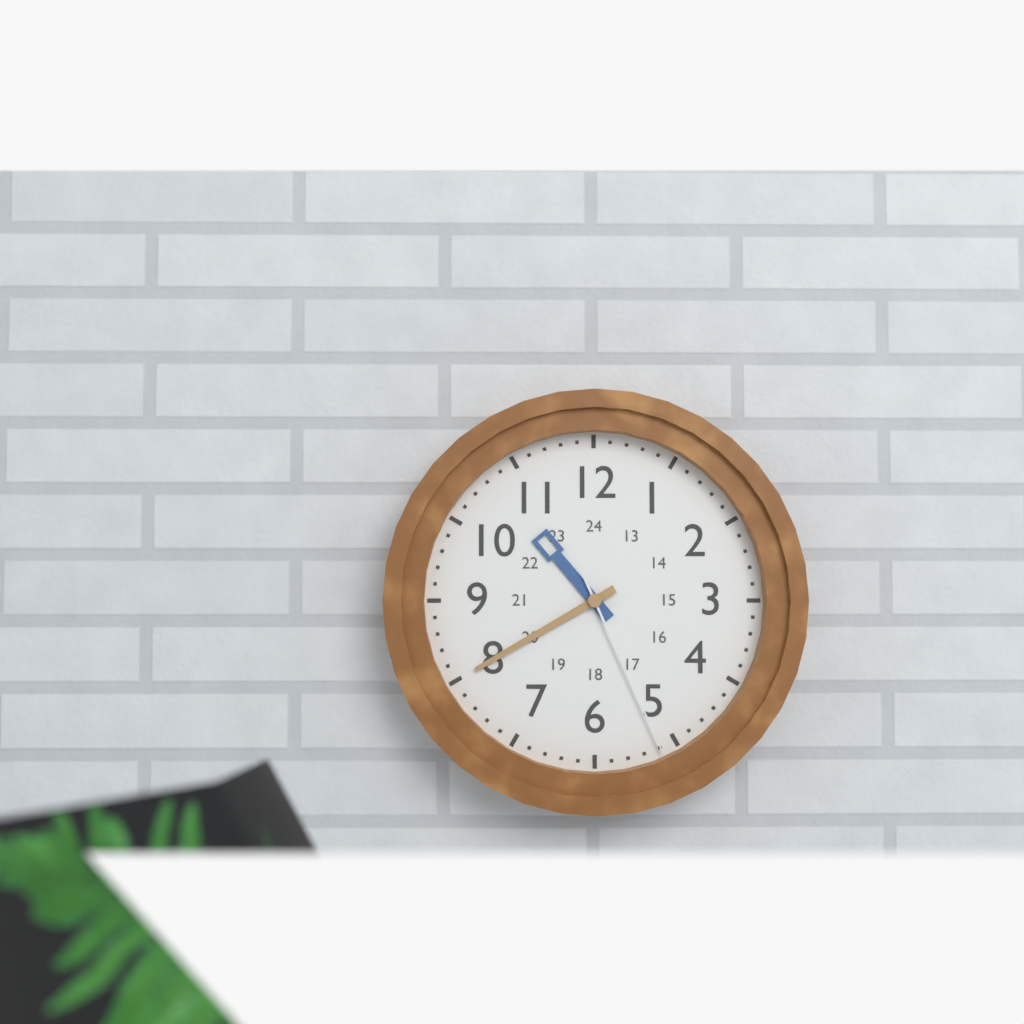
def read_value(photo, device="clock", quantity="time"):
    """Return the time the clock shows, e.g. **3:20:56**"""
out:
**10:40:26**
